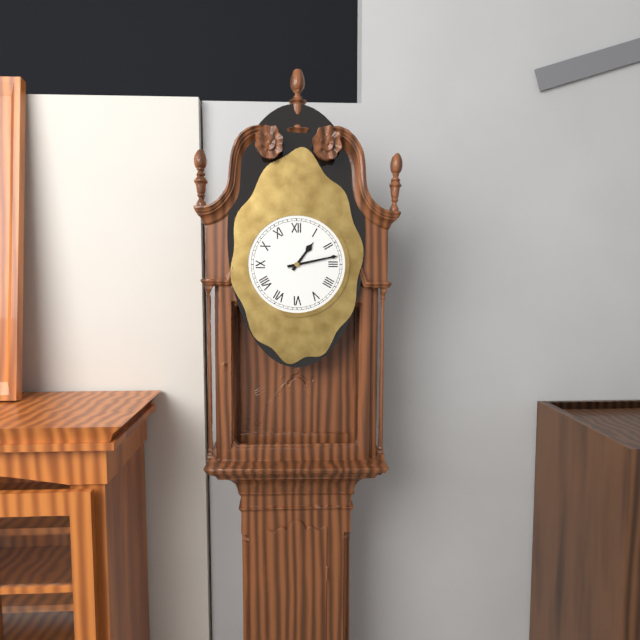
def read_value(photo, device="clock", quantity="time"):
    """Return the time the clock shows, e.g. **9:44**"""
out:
**1:13**
